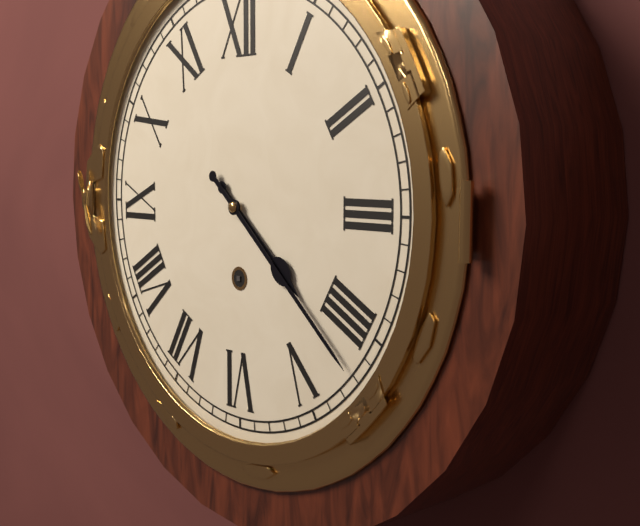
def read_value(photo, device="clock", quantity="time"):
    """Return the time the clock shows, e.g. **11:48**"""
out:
**4:22**
